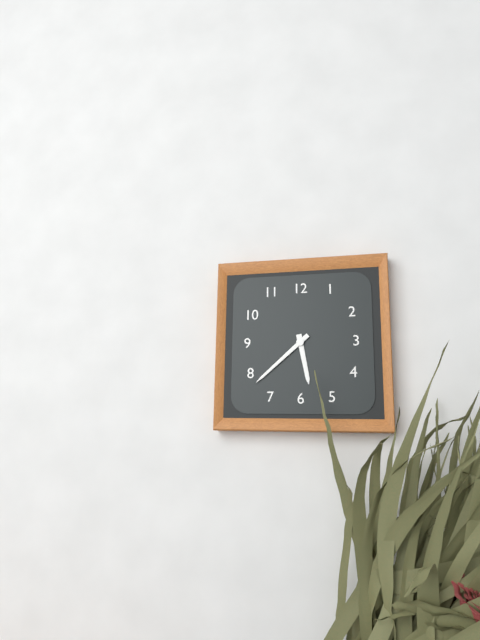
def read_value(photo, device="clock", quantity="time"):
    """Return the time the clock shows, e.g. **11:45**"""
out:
**5:38**
